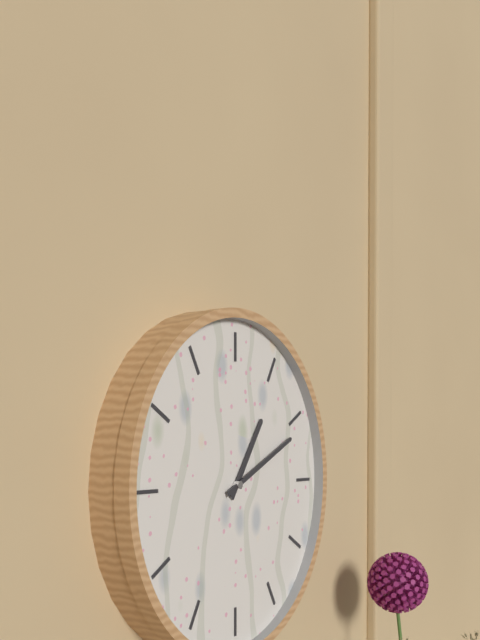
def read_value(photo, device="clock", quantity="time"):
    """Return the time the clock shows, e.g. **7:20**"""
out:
**1:11**
